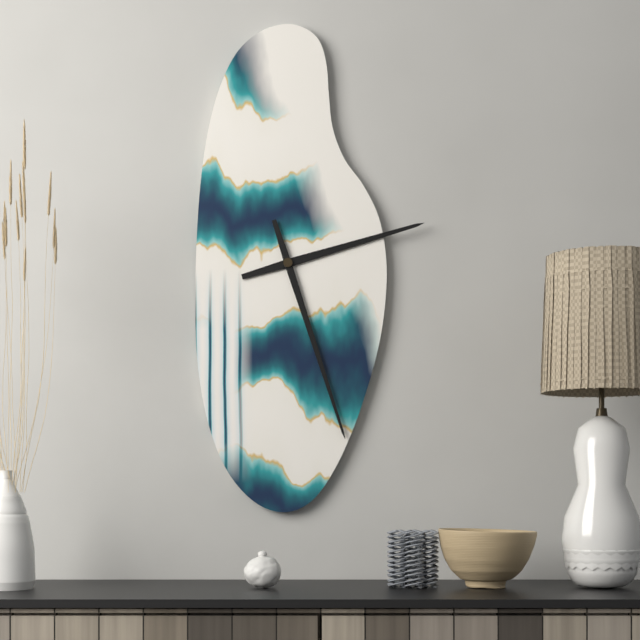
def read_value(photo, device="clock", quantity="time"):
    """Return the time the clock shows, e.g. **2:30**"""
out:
**2:27**
